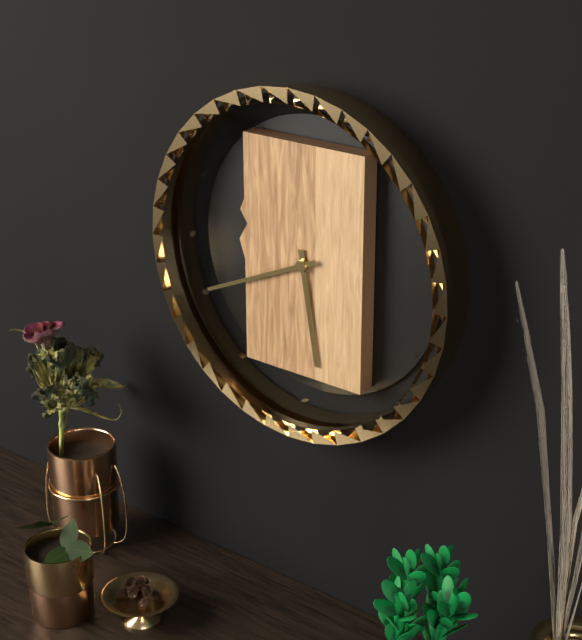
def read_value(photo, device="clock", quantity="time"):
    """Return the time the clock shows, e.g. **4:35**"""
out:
**5:41**
